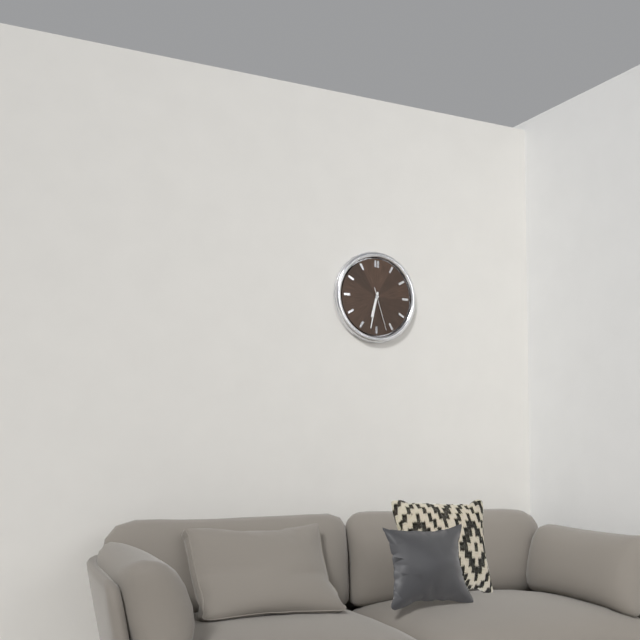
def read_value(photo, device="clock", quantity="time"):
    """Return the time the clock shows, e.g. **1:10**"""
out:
**6:32**
